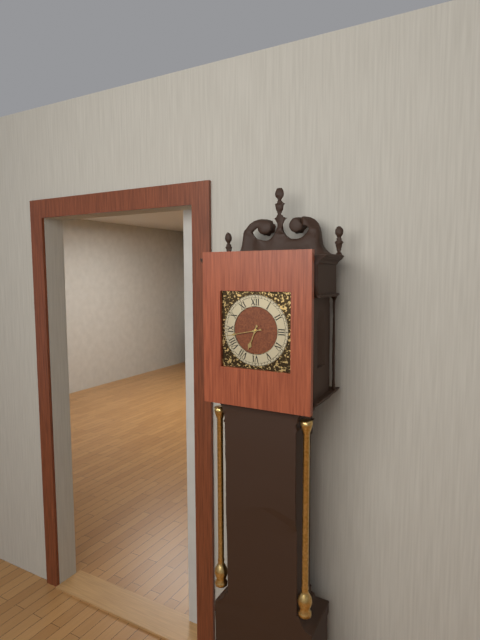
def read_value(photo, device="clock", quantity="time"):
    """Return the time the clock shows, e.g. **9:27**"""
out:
**6:43**
